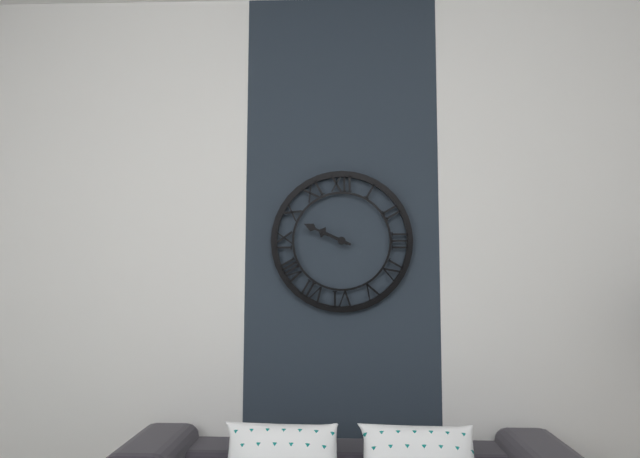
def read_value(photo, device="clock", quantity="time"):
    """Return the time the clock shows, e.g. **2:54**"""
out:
**9:49**
